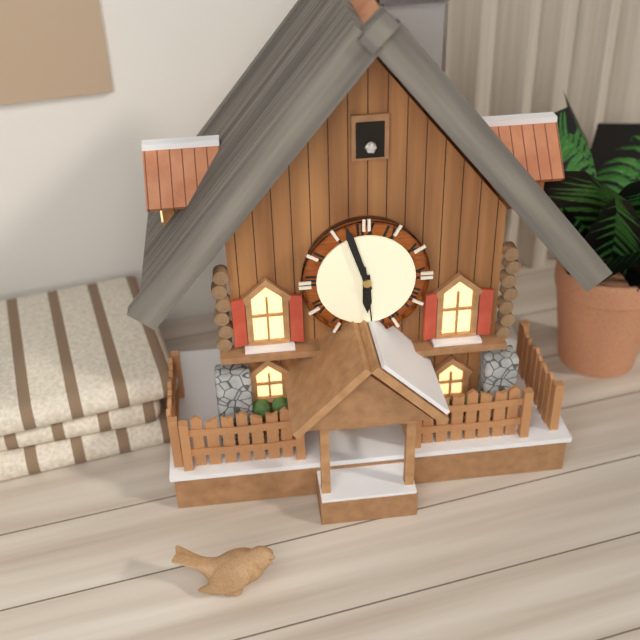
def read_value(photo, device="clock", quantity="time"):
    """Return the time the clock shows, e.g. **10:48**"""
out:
**5:57**
